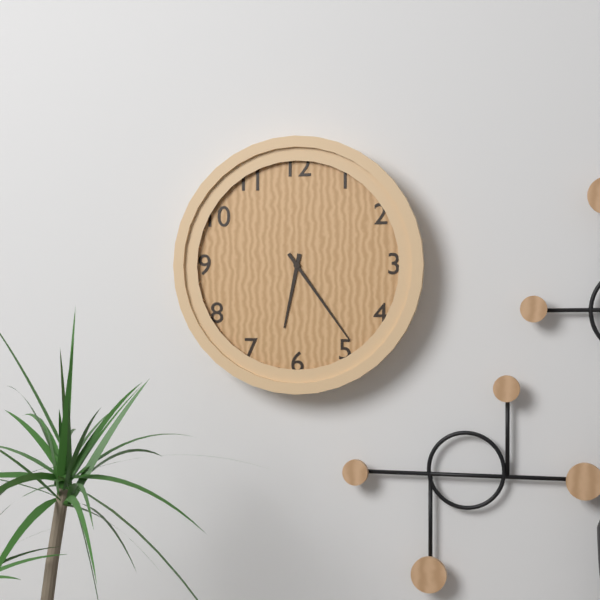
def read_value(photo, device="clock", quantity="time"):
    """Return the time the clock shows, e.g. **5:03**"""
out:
**6:24**
